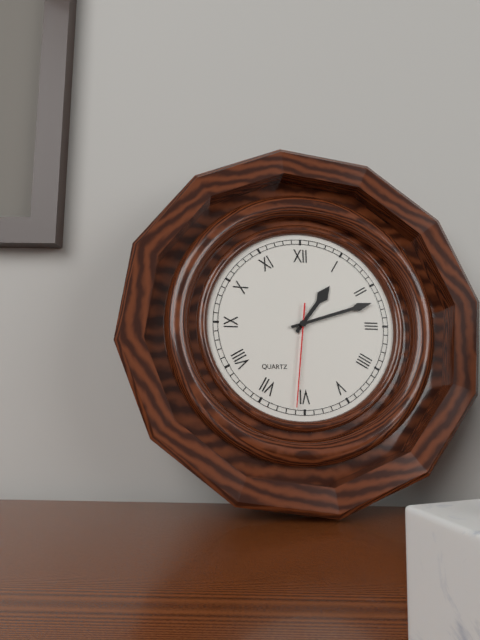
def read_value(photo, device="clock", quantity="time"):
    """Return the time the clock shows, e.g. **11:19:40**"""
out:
**1:12:31**
